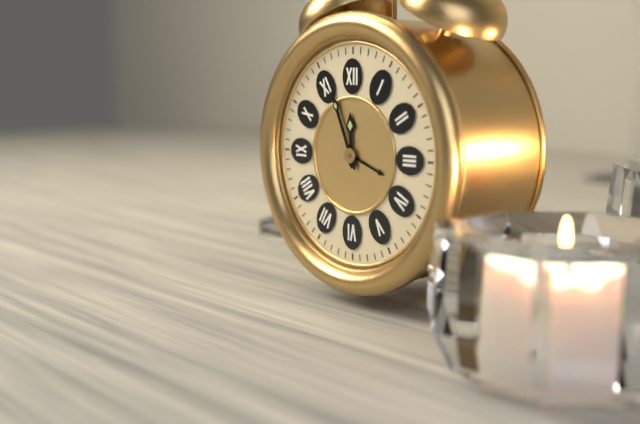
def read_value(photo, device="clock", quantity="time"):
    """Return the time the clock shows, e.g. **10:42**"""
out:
**11:56**
